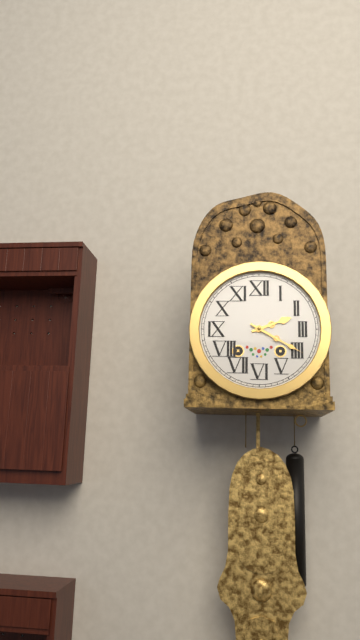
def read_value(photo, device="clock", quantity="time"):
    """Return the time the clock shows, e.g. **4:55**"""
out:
**2:20**
